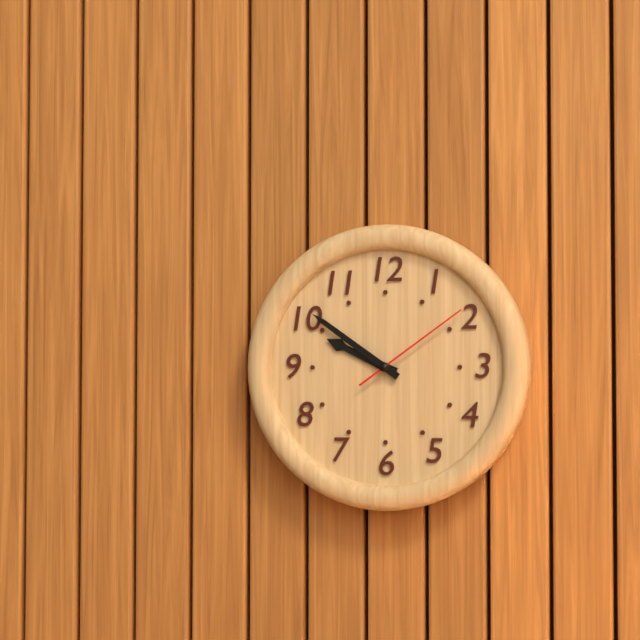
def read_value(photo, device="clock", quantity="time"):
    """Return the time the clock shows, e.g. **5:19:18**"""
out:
**9:51:09**
